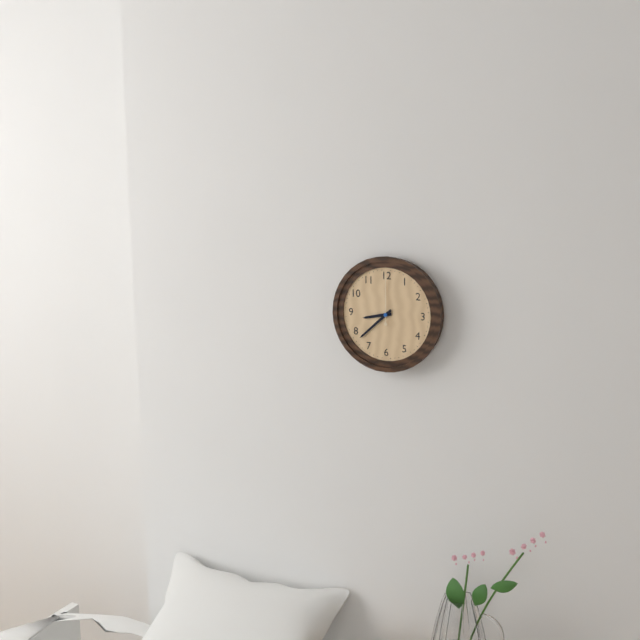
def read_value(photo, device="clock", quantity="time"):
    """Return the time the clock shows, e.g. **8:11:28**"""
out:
**8:38:00**
